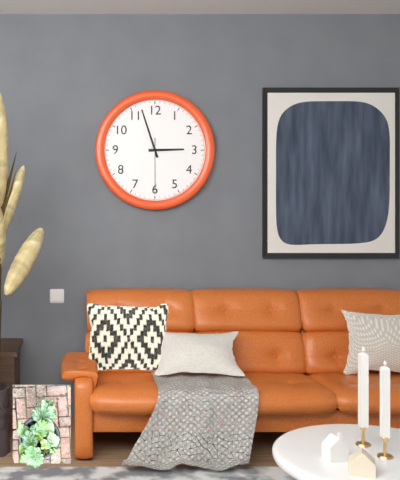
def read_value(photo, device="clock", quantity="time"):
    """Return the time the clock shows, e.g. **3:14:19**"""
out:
**2:57:30**
